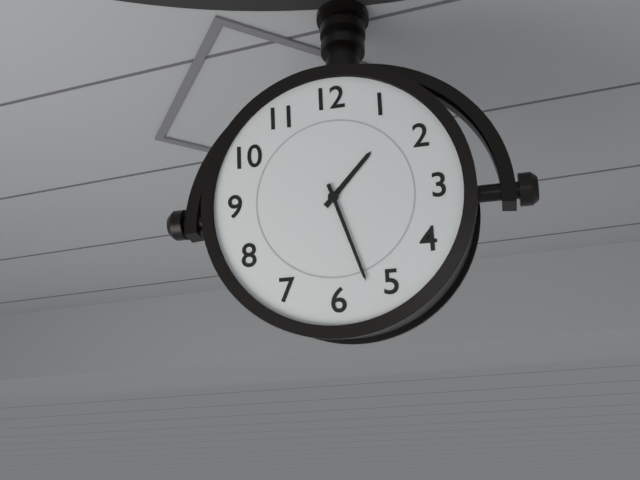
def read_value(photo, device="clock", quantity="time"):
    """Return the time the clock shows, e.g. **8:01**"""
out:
**1:27**
